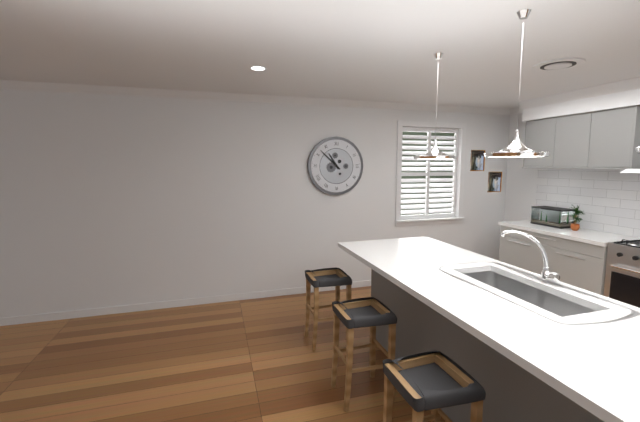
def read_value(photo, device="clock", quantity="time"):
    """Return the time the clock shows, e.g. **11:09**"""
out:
**10:52**
